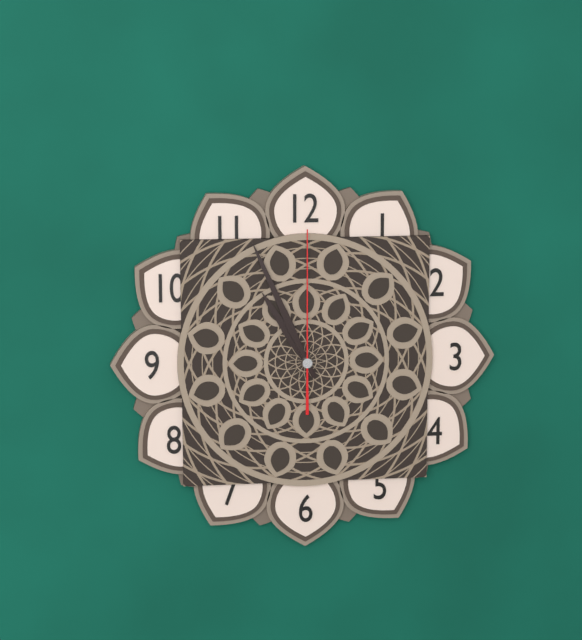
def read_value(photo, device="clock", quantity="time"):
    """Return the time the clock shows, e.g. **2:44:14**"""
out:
**10:56:00**
